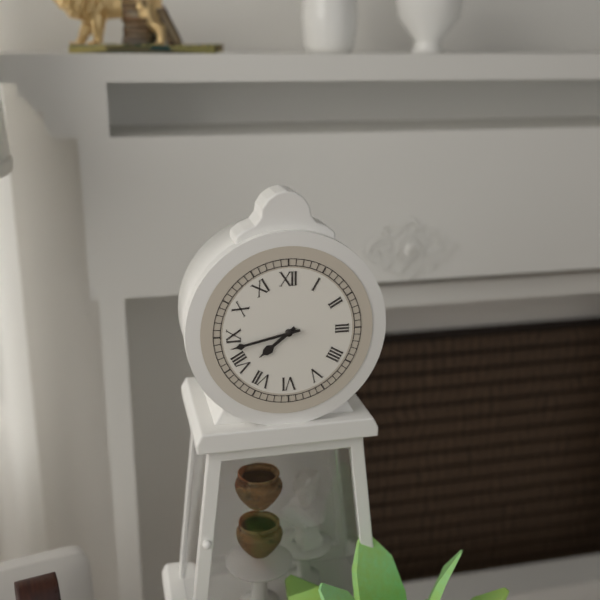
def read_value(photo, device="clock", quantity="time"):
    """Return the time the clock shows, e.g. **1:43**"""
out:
**7:43**
